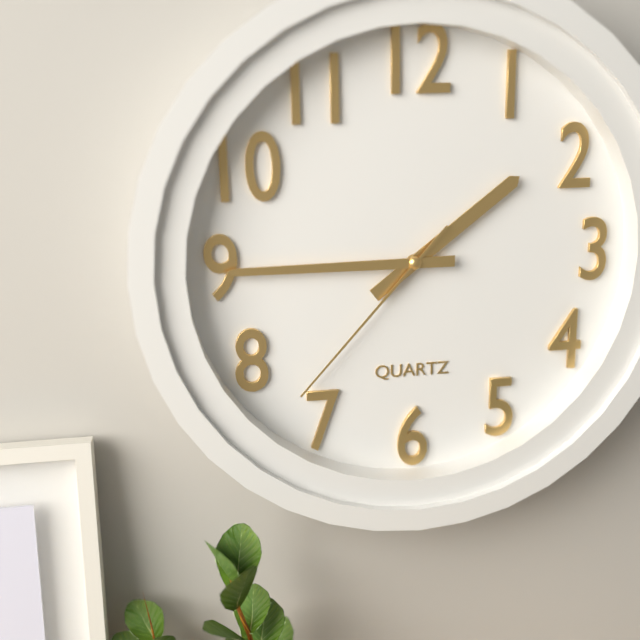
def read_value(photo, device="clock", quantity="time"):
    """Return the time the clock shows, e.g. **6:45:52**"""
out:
**1:45:37**
